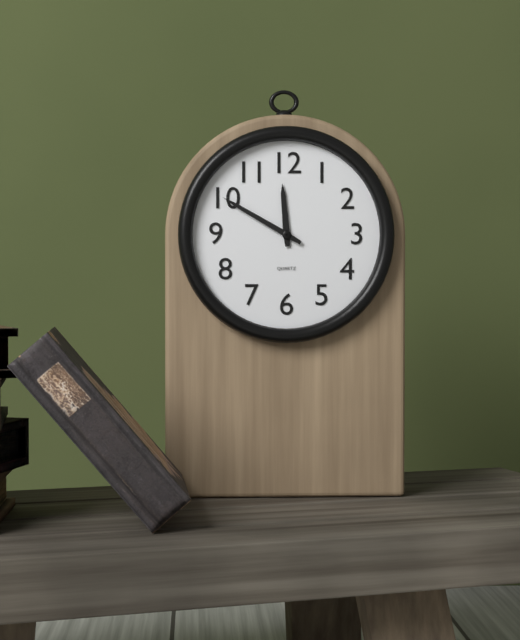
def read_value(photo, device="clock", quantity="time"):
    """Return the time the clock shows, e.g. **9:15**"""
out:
**11:50**
